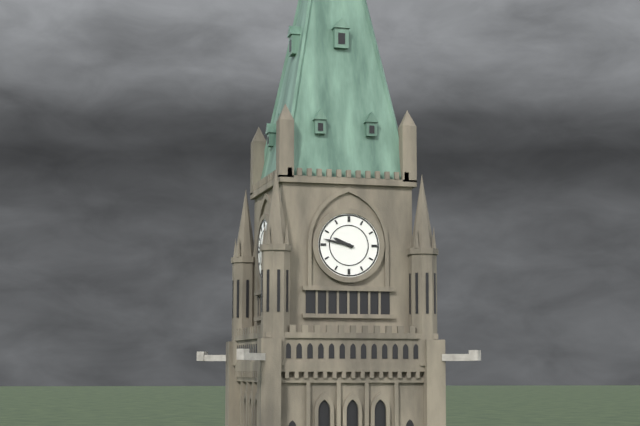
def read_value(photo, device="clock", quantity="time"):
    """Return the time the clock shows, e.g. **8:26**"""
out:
**9:47**
